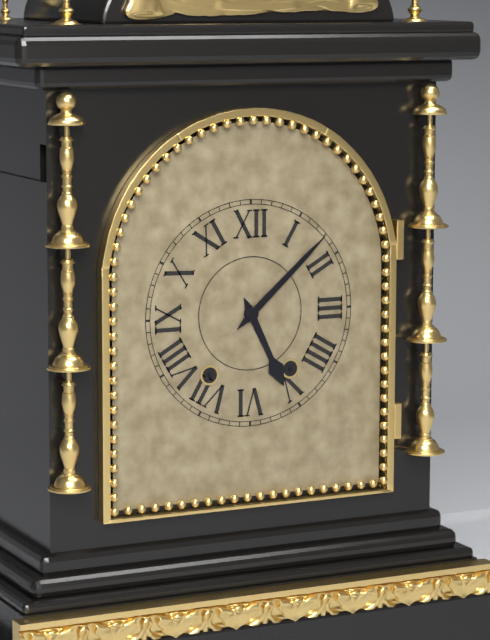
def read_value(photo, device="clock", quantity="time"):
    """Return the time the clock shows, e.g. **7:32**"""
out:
**5:08**
